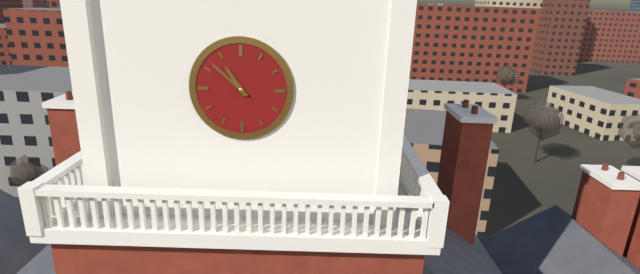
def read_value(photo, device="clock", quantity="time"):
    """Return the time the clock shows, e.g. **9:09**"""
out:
**10:52**
